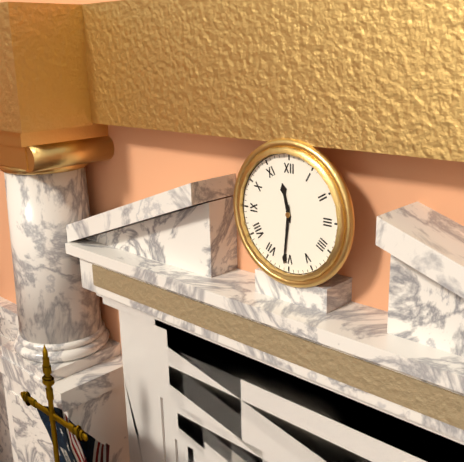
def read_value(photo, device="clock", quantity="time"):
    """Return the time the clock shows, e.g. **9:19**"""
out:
**11:31**
